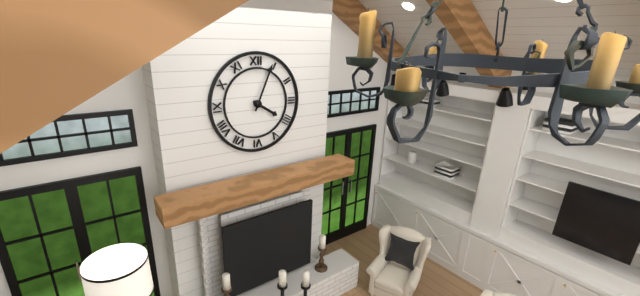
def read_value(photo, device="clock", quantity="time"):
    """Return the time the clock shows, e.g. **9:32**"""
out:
**4:04**
